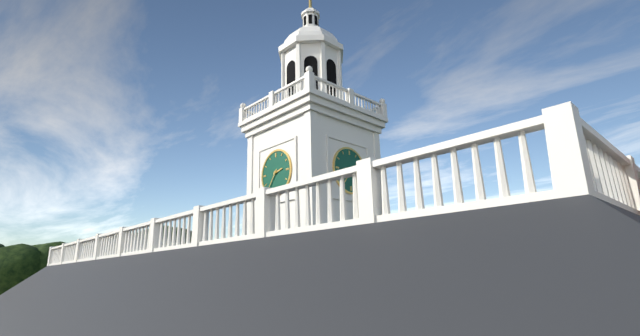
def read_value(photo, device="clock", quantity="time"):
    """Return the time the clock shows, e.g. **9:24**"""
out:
**2:36**
